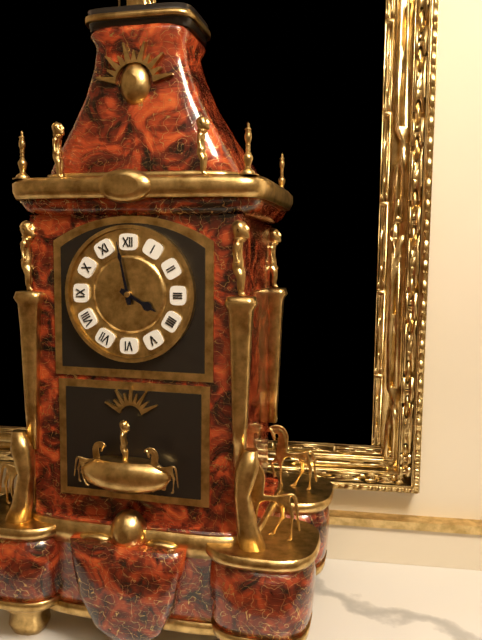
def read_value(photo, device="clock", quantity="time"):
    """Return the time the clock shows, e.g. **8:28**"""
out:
**3:58**
